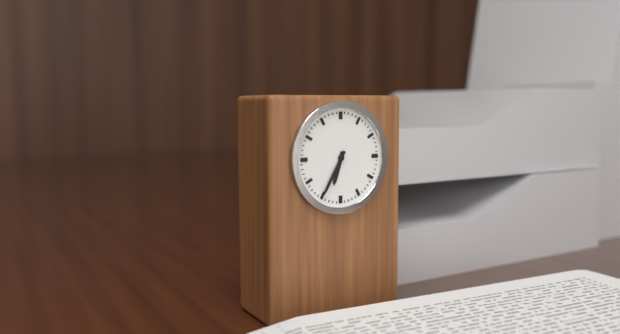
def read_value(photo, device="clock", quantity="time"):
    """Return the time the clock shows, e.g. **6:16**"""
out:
**6:35**
